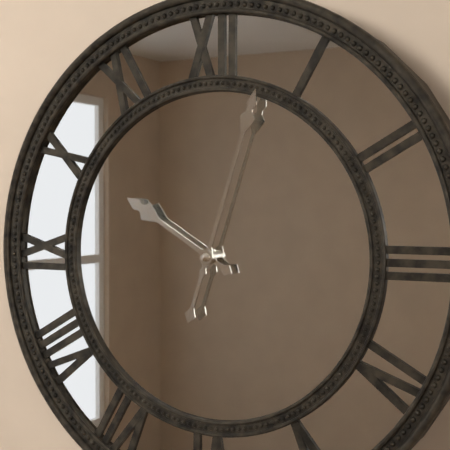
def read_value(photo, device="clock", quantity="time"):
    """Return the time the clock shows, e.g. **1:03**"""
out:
**10:03**
